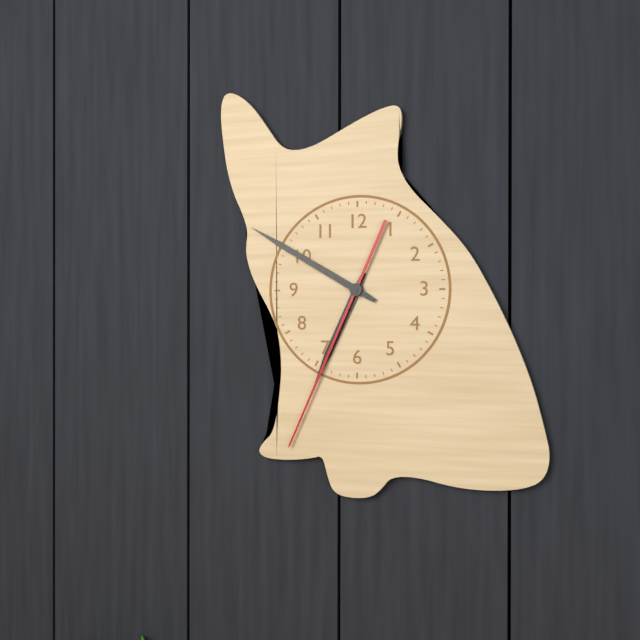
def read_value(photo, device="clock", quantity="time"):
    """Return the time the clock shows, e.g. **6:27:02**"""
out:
**6:50:34**
